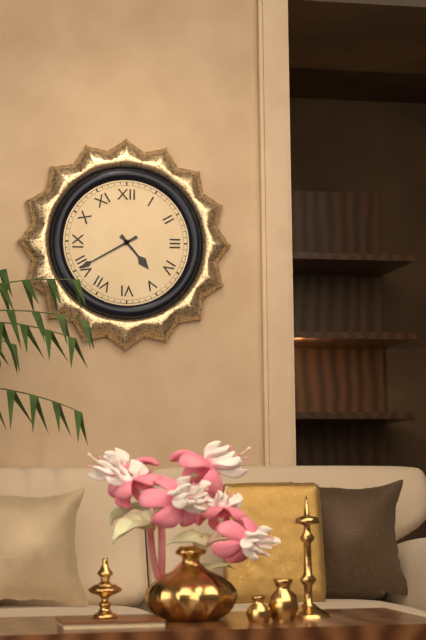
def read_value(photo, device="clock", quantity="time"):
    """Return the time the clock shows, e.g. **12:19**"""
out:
**4:40**
